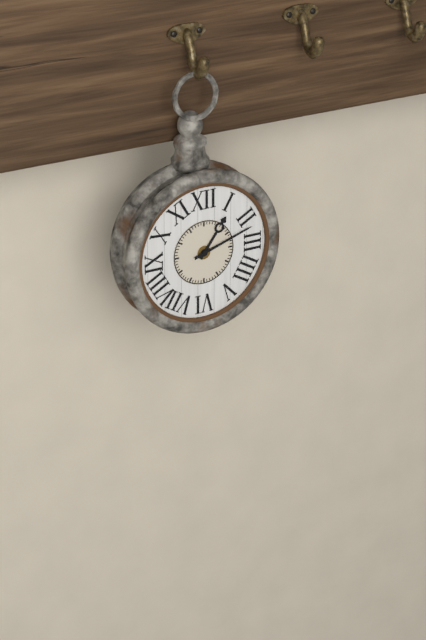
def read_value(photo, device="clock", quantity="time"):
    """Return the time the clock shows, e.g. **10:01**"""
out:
**1:12**
